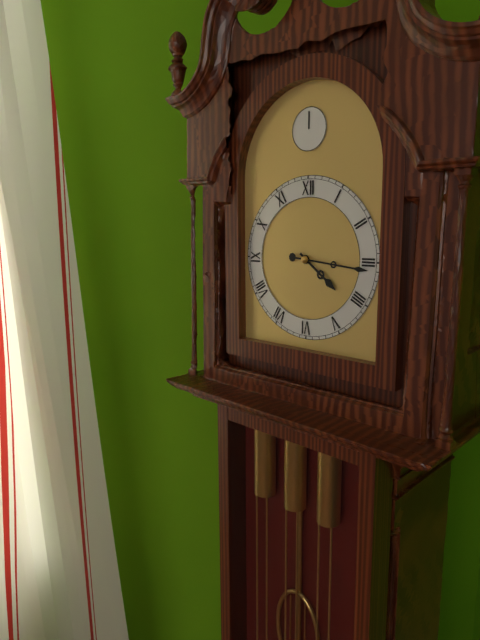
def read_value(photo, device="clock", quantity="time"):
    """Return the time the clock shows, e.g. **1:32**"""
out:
**4:16**
